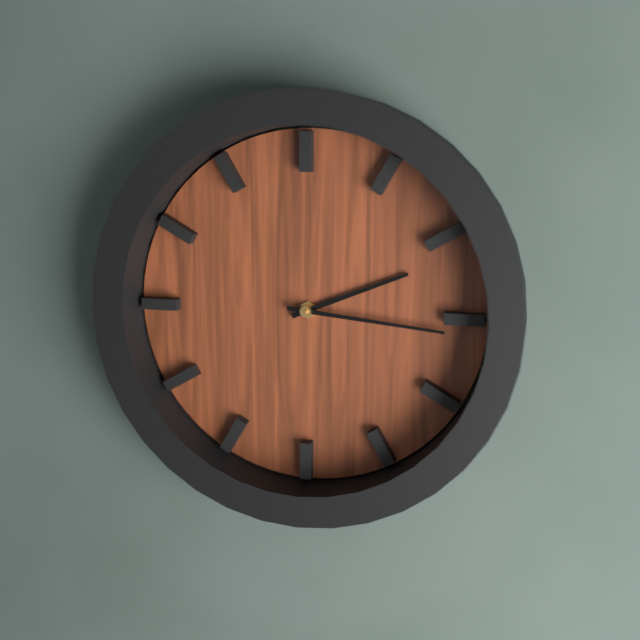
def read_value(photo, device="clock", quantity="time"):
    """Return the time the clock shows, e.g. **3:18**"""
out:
**2:16**
